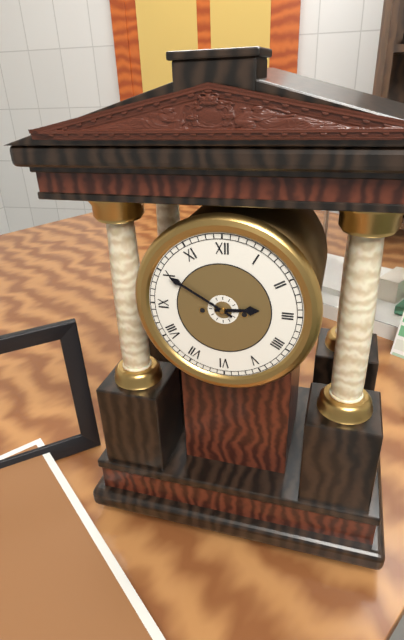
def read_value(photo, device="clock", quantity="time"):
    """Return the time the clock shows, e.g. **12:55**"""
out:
**2:50**
